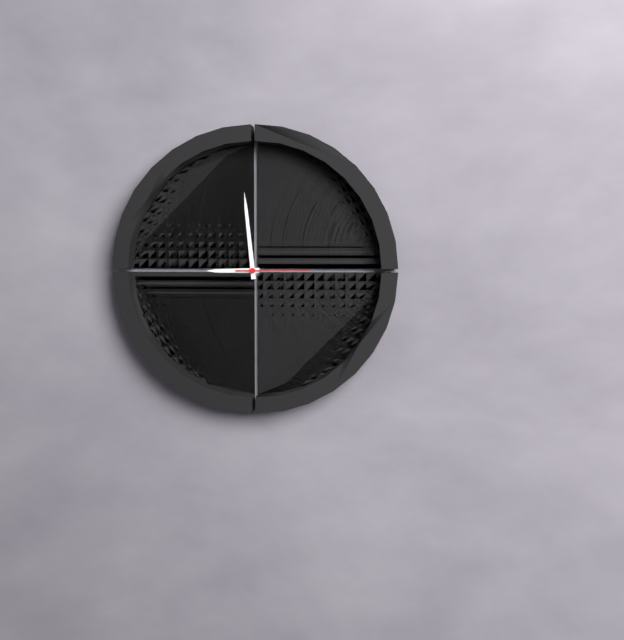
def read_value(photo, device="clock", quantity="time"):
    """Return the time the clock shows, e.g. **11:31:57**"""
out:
**8:59:15**
